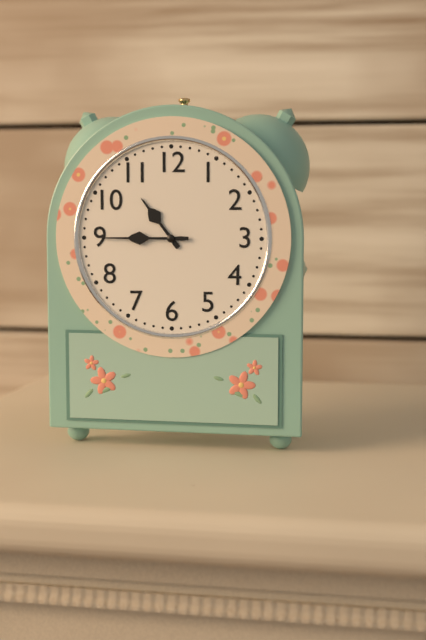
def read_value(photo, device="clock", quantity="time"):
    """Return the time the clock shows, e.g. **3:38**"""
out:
**10:45**
